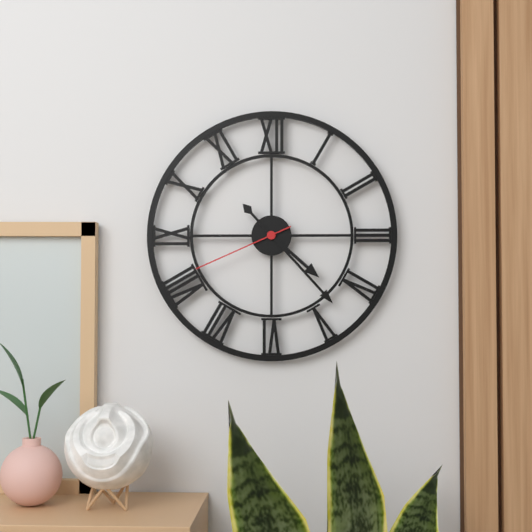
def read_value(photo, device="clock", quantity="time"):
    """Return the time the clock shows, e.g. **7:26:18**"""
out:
**4:23:41**
